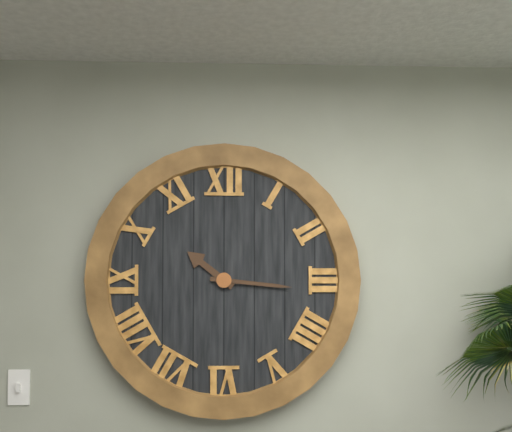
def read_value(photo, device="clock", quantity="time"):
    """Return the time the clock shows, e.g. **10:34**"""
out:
**10:16**
